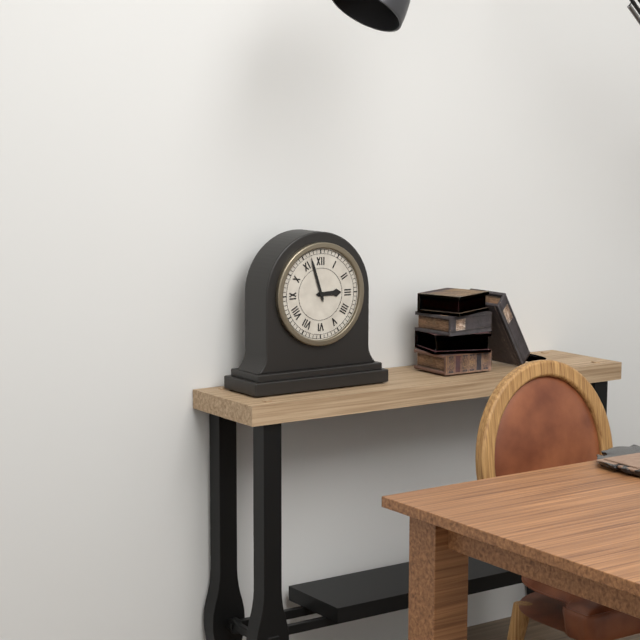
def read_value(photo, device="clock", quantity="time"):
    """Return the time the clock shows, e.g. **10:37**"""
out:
**2:57**
